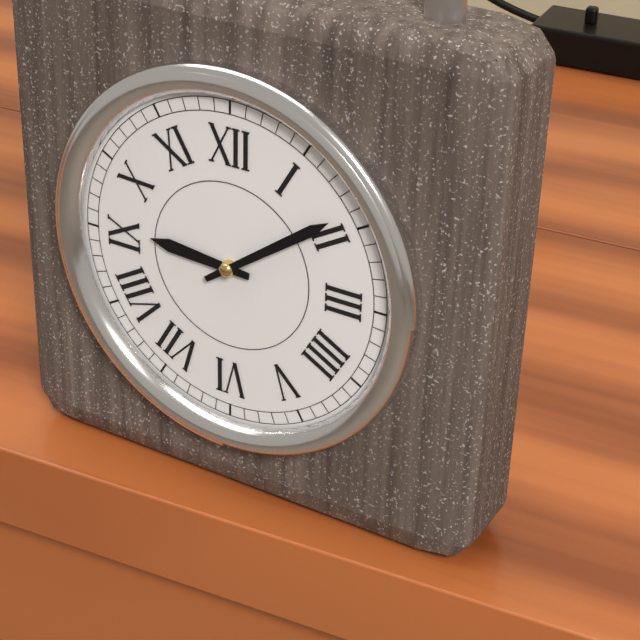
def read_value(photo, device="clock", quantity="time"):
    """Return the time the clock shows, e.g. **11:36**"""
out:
**9:09**
